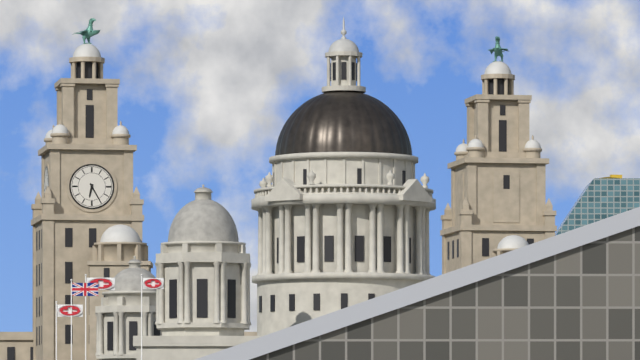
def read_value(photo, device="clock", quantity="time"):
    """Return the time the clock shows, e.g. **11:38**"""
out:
**6:25**
